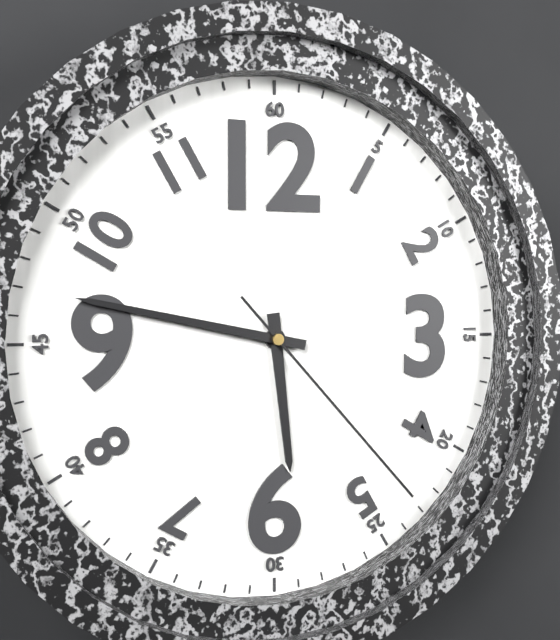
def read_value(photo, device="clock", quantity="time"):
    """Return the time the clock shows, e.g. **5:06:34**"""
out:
**5:47:23**
